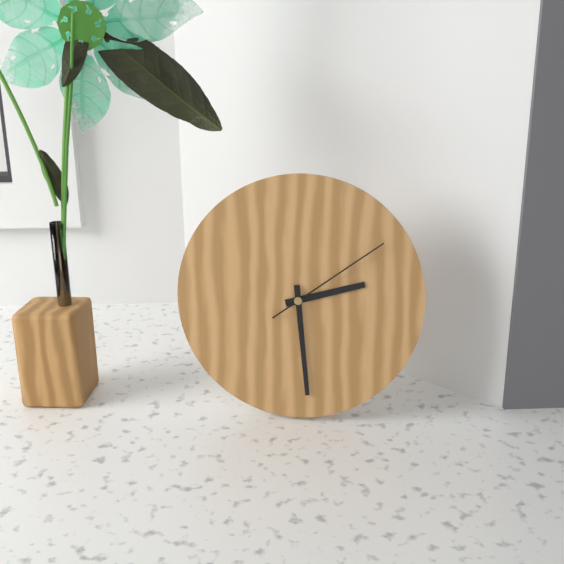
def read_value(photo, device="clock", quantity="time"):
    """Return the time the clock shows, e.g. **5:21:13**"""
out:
**2:29:09**
